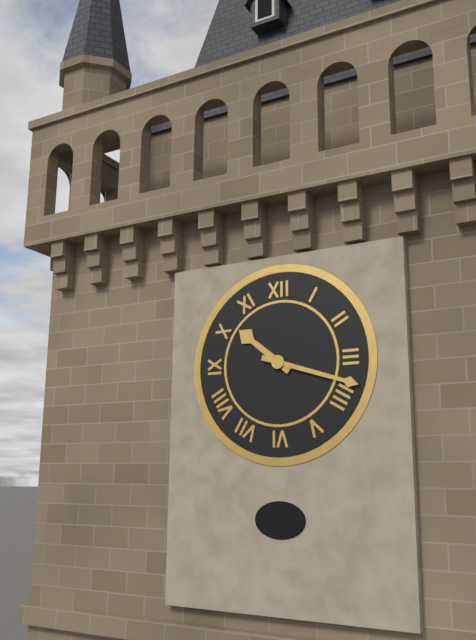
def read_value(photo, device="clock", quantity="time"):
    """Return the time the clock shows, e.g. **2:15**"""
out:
**10:18**
